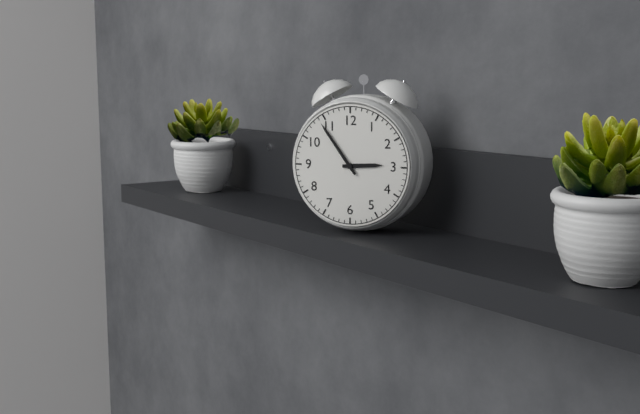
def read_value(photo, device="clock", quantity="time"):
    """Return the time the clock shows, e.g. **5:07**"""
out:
**2:54**
